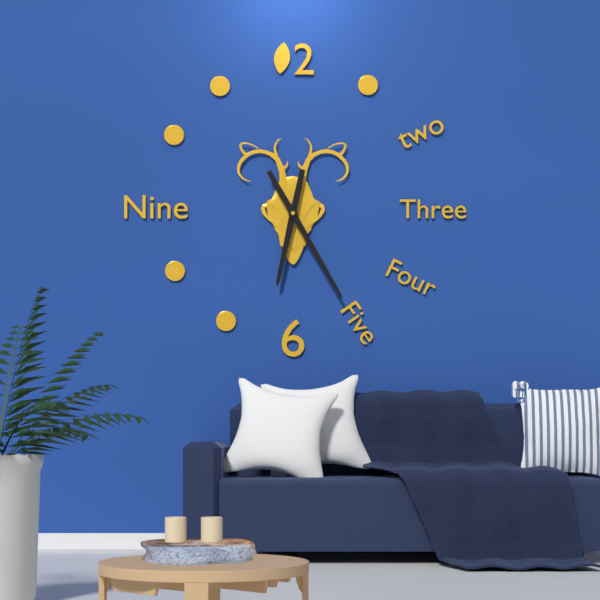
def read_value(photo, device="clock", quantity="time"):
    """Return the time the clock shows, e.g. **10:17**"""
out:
**6:25**
